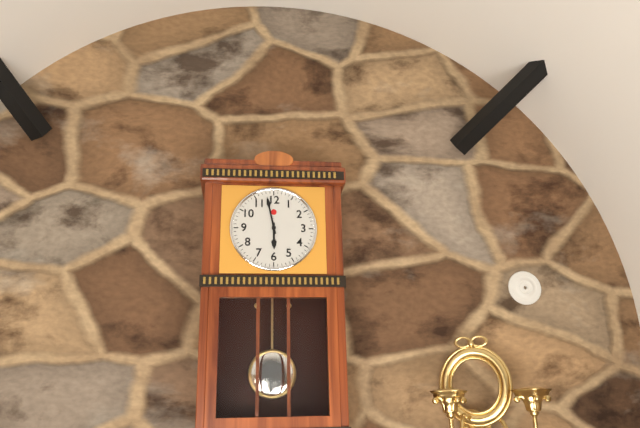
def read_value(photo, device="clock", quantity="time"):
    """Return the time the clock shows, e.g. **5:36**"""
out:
**5:58**
